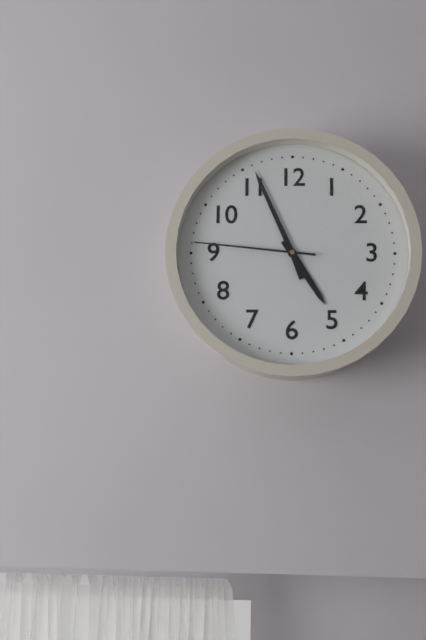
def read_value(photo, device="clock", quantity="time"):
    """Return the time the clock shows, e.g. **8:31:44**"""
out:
**4:56:46**
